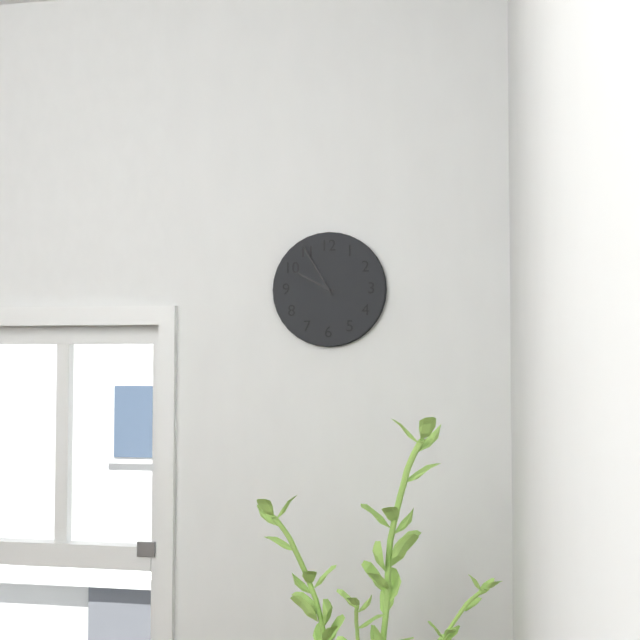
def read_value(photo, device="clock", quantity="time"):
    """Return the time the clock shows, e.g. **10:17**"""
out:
**9:55**
